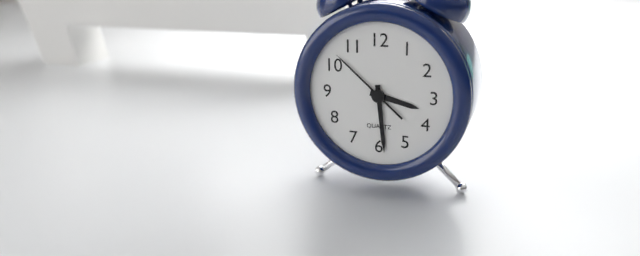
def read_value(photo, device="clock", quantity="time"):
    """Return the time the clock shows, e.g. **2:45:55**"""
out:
**3:29:52**
